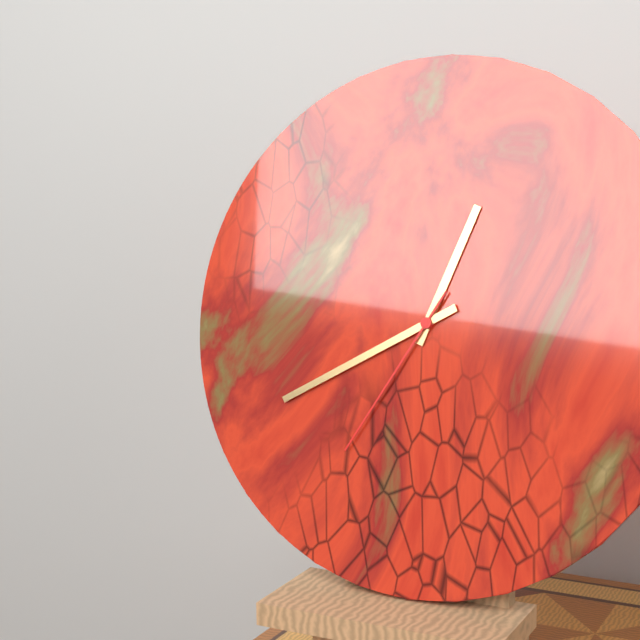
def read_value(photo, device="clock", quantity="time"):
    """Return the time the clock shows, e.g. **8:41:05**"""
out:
**12:40:35**
